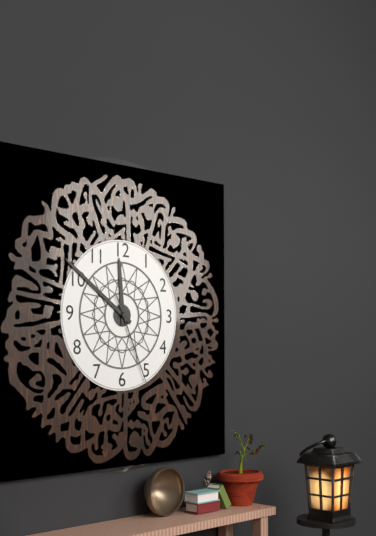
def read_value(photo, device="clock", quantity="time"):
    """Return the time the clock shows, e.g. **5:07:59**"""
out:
**11:51:26**
